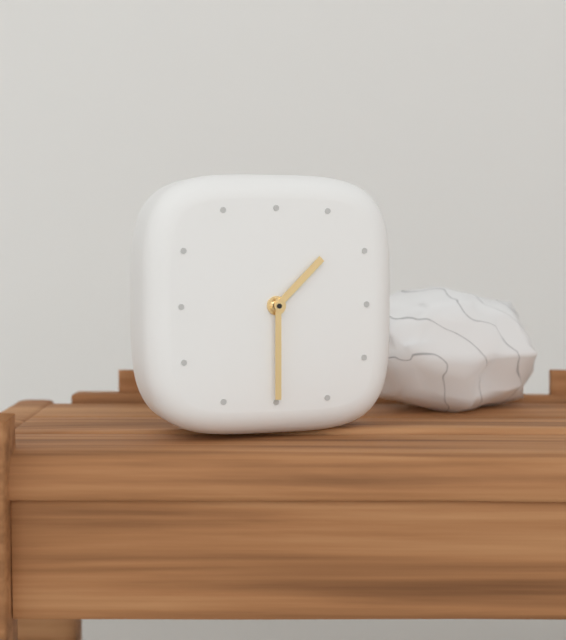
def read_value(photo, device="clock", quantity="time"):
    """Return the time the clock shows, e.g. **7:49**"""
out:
**1:30**
